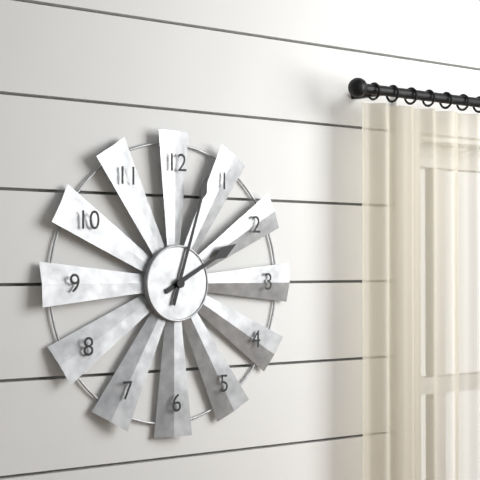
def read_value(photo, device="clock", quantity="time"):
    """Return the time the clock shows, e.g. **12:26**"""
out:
**2:03**
